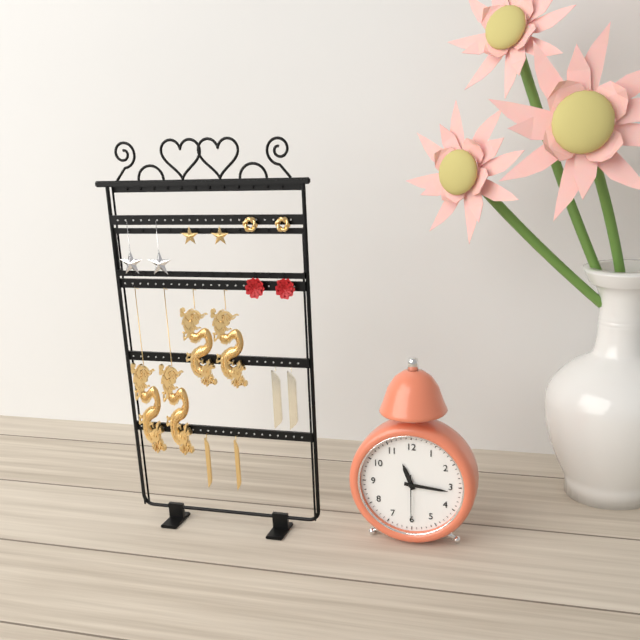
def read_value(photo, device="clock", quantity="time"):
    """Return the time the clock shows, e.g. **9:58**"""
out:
**11:16**
